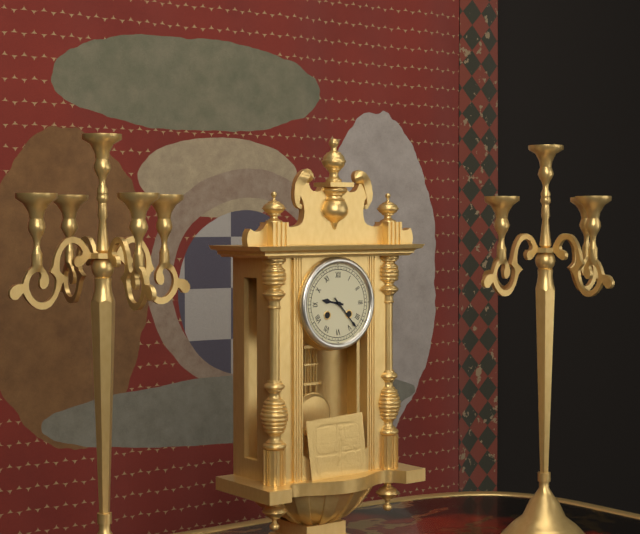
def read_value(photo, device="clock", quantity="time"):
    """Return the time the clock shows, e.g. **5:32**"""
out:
**9:23**
